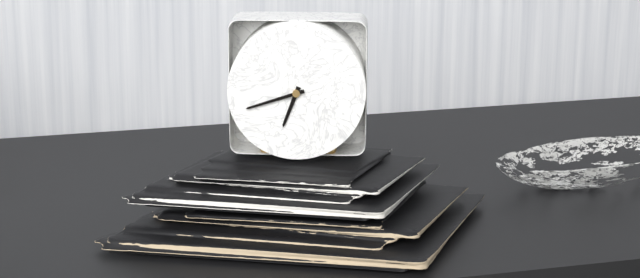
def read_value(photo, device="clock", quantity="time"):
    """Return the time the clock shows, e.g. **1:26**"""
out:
**6:42**
